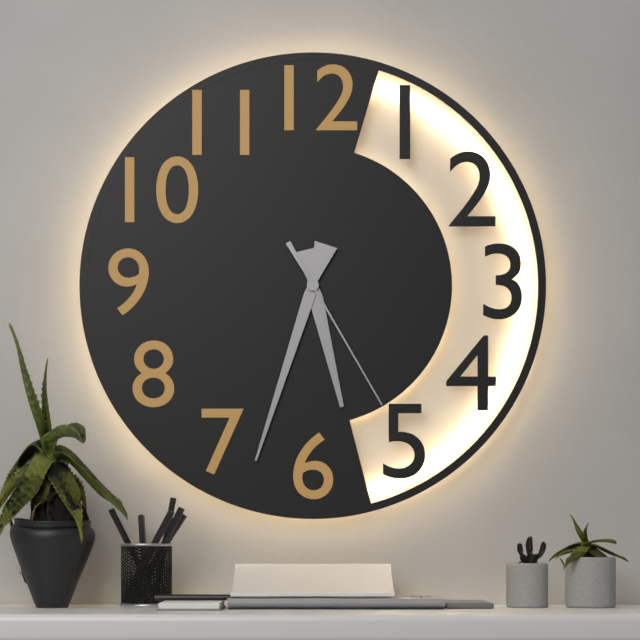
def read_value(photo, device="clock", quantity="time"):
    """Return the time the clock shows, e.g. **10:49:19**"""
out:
**5:33:25**
